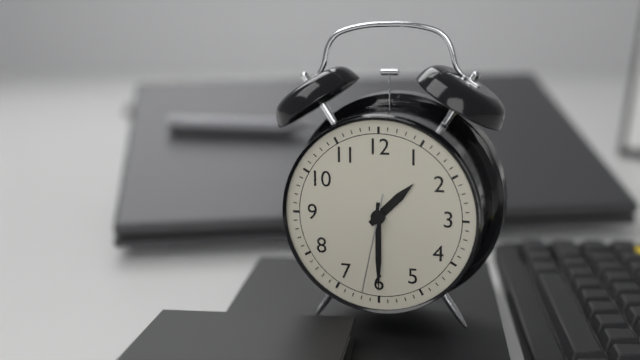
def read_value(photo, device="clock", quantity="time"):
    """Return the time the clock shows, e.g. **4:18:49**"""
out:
**1:30:32**
